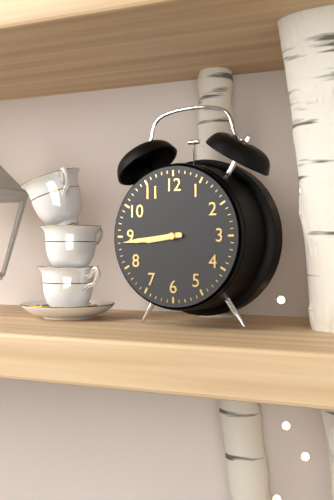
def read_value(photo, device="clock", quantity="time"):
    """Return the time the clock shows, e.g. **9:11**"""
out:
**8:44**
